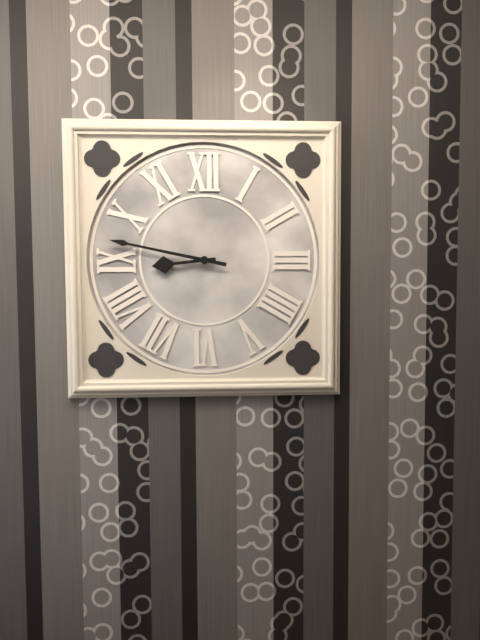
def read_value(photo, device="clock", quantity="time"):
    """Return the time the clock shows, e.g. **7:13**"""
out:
**8:47**
